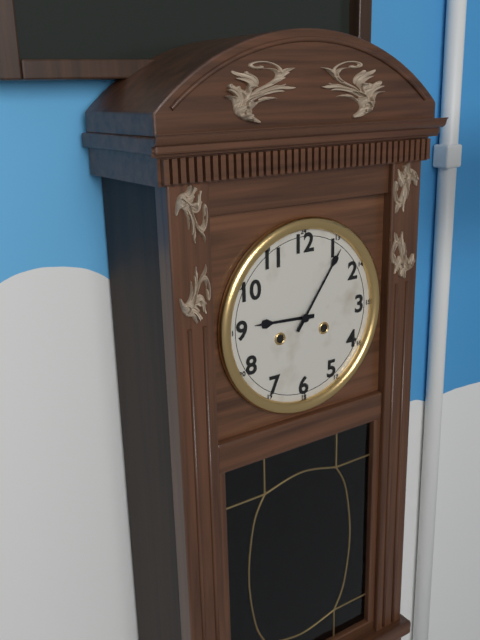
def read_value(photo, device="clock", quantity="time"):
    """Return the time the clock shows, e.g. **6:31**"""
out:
**9:06**
